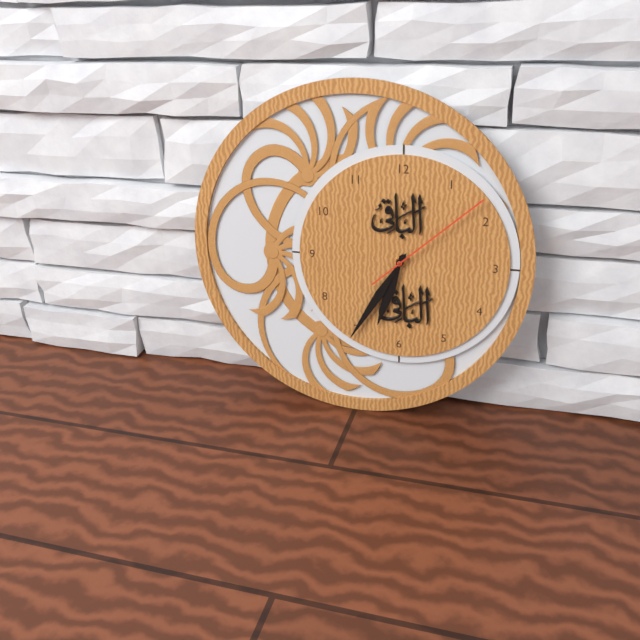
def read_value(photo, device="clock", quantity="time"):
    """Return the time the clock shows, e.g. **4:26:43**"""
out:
**6:35:08**
